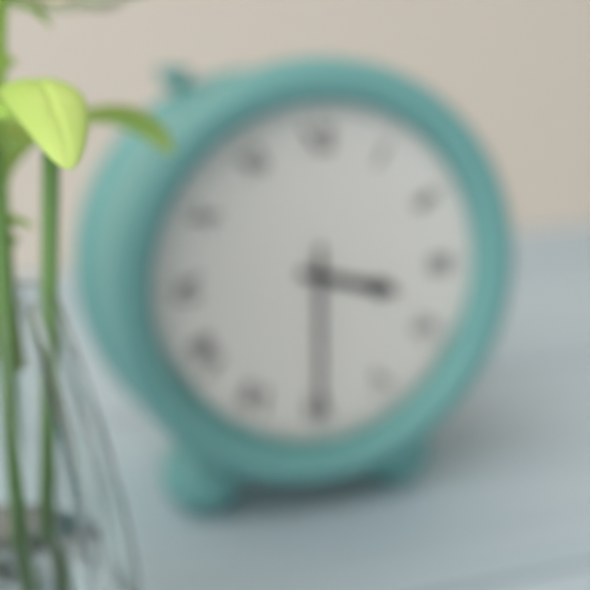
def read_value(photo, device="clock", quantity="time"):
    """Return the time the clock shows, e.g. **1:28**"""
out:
**3:30**
